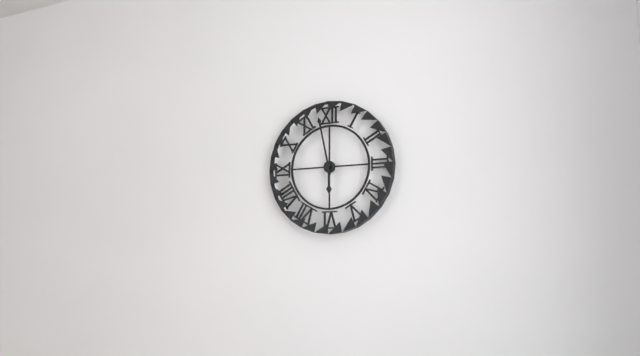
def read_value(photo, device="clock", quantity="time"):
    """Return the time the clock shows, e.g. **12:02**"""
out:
**5:58**
